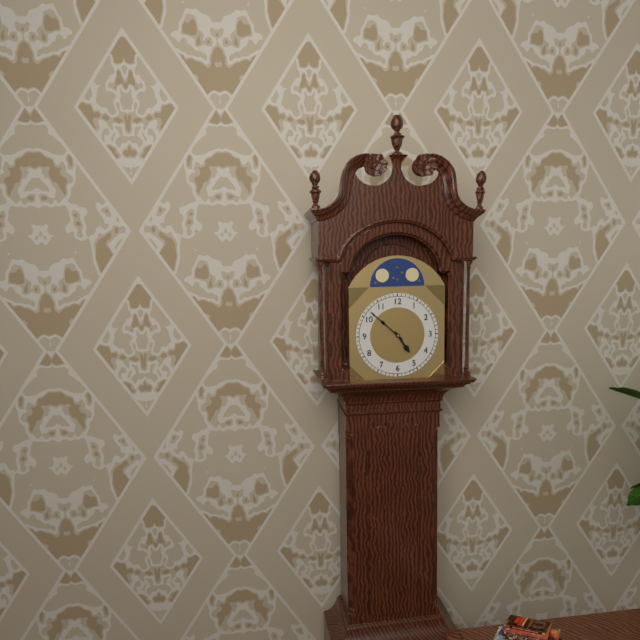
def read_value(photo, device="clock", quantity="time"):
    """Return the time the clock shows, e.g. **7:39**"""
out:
**4:52**
